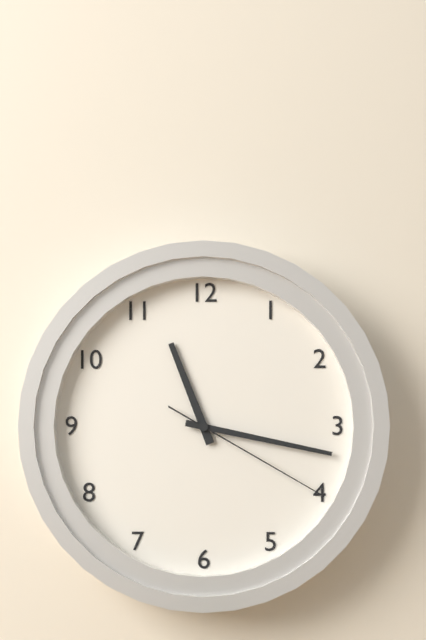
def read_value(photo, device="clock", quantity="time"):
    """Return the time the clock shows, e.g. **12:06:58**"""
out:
**11:17:20**
